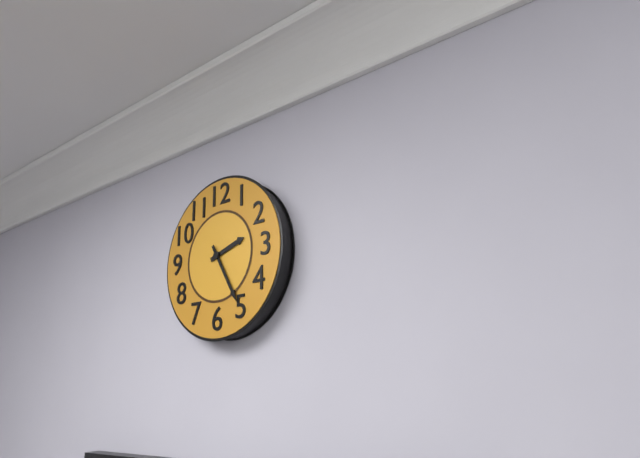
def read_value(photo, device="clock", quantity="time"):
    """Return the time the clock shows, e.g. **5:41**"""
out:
**2:25**
